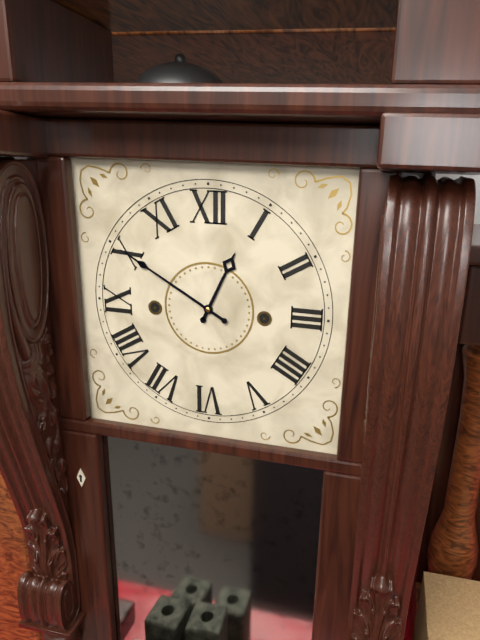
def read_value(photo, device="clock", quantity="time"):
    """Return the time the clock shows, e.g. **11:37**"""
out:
**12:50**
